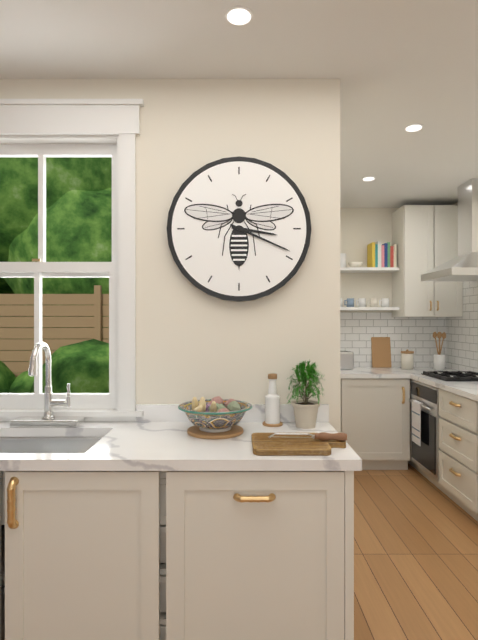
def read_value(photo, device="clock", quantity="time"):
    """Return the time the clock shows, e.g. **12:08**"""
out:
**3:19**
